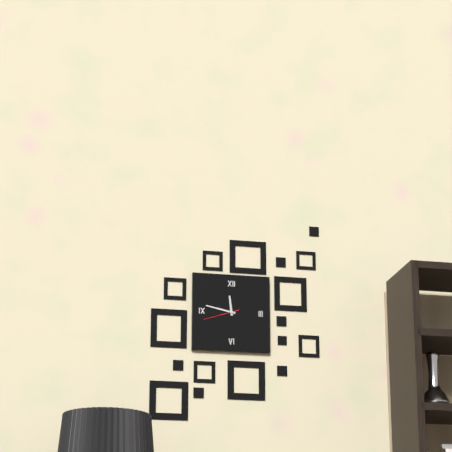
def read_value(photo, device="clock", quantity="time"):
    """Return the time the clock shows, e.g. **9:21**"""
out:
**11:47**
